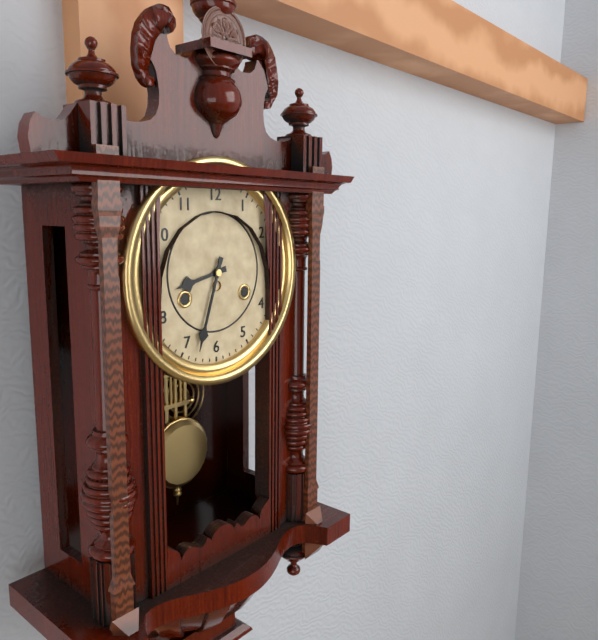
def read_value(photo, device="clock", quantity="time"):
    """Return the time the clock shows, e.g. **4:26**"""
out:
**8:33**
